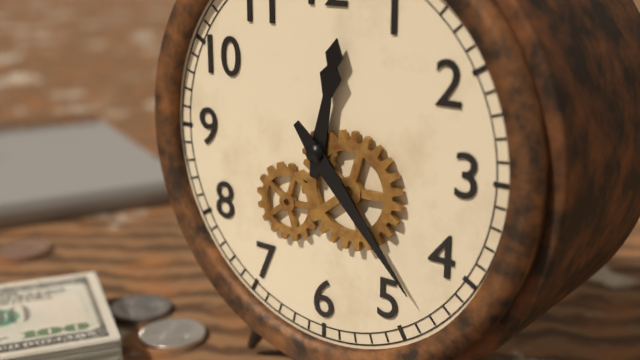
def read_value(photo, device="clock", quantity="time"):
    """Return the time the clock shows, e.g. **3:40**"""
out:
**12:23**
